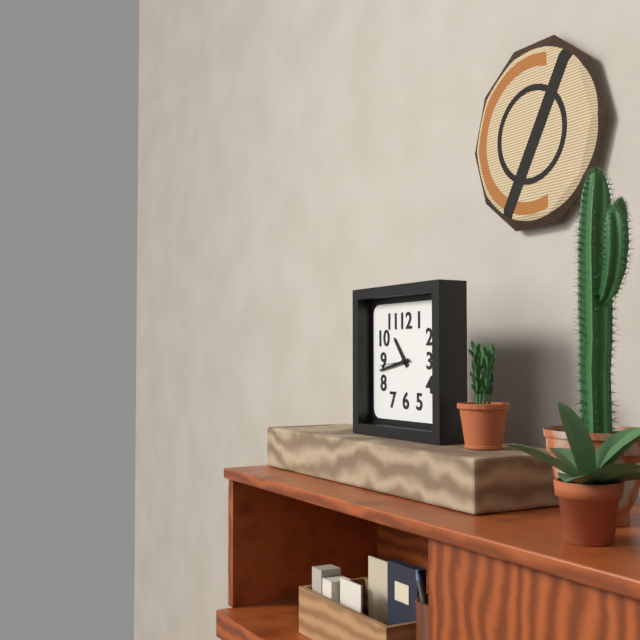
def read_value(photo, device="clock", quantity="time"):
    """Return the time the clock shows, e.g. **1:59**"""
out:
**10:43**
